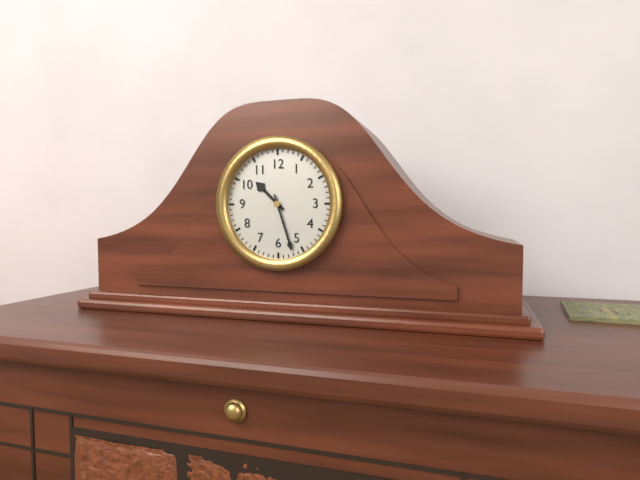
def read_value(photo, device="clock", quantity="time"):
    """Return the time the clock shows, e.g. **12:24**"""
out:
**10:27**
